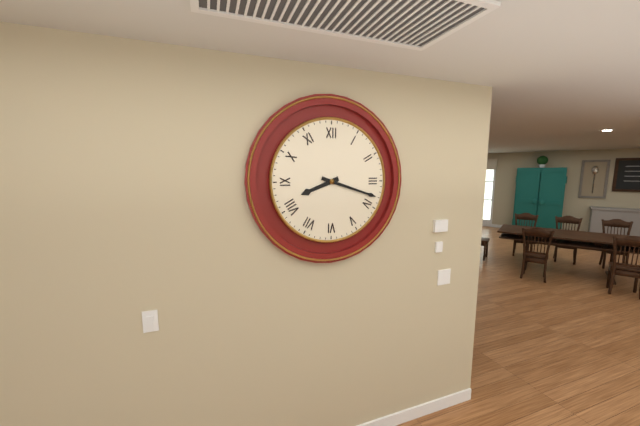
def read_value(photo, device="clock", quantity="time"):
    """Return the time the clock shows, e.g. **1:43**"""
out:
**8:18**
